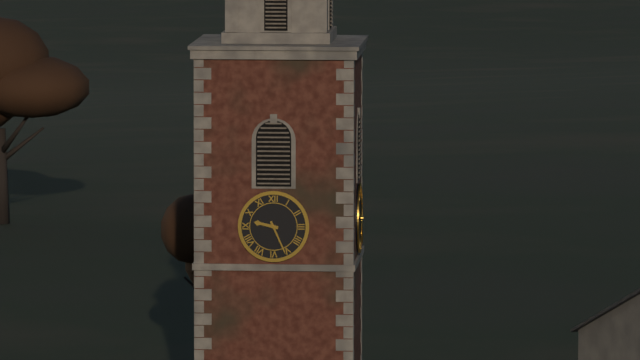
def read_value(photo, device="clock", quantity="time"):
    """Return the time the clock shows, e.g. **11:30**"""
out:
**9:26**
